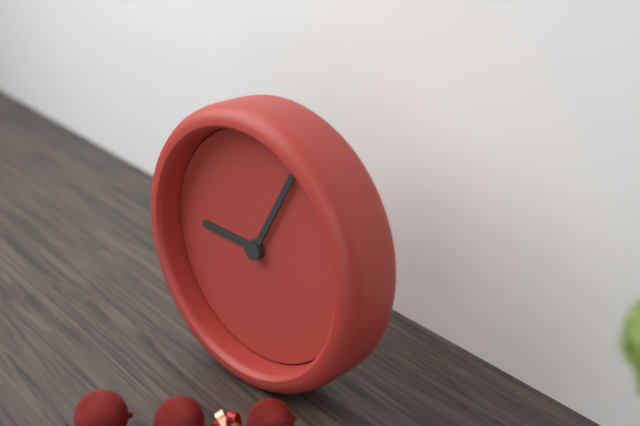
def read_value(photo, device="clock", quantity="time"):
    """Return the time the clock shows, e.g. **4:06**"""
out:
**9:05**
